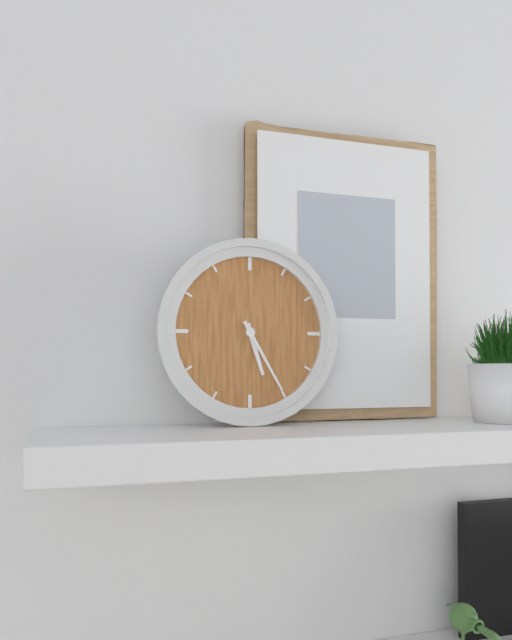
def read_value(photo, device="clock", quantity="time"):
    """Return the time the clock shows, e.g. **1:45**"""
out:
**5:25**
